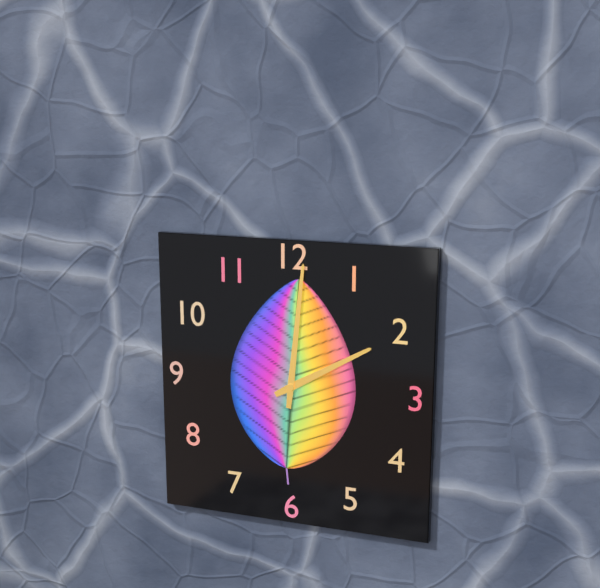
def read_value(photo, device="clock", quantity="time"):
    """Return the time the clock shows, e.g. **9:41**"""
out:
**2:01**
